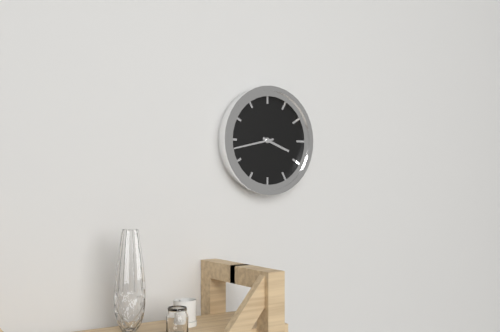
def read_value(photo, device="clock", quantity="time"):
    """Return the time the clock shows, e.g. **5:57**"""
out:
**3:43**
